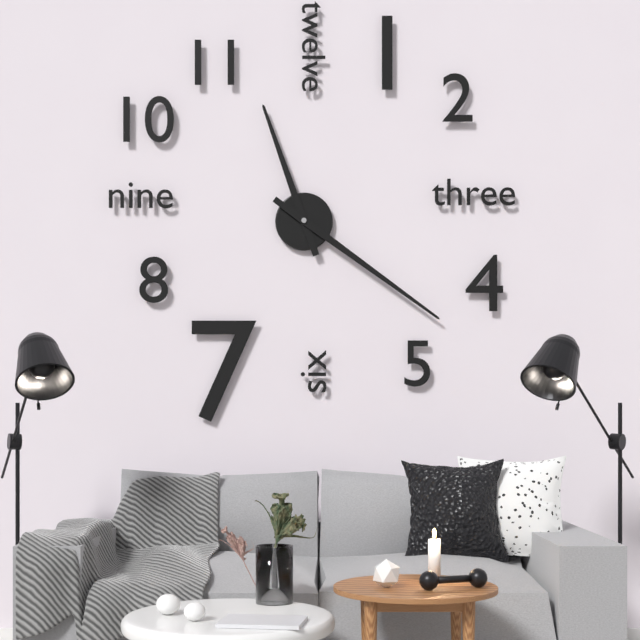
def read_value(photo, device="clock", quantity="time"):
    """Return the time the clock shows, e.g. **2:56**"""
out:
**11:21**
